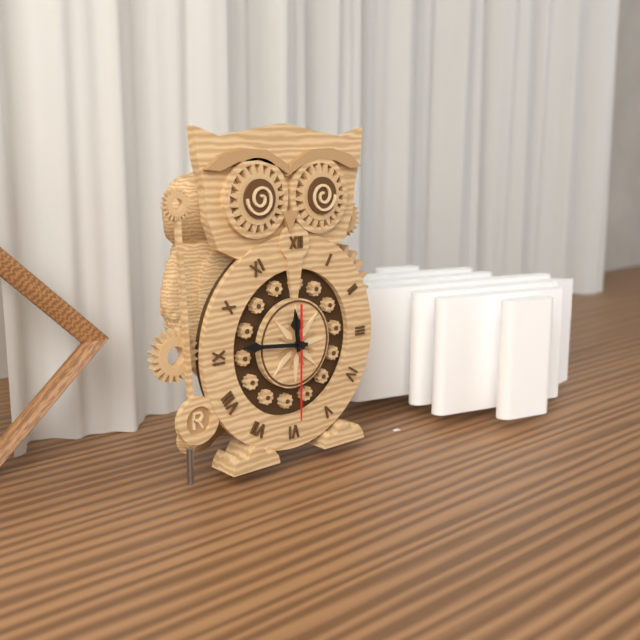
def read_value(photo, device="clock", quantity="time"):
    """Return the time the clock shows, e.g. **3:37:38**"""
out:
**11:46:30**
